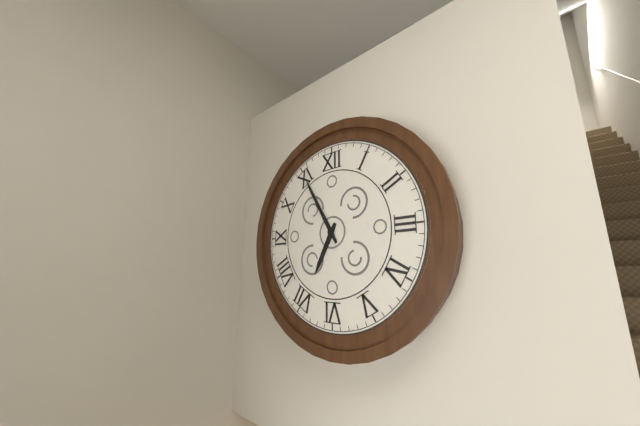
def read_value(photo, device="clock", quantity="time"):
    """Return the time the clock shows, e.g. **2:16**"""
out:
**6:55**
